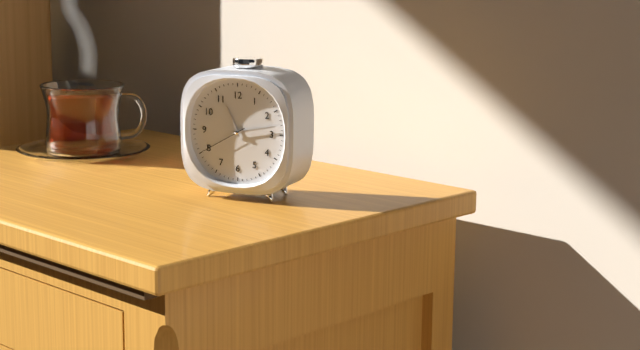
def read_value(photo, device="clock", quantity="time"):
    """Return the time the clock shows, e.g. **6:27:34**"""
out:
**11:13:40**
